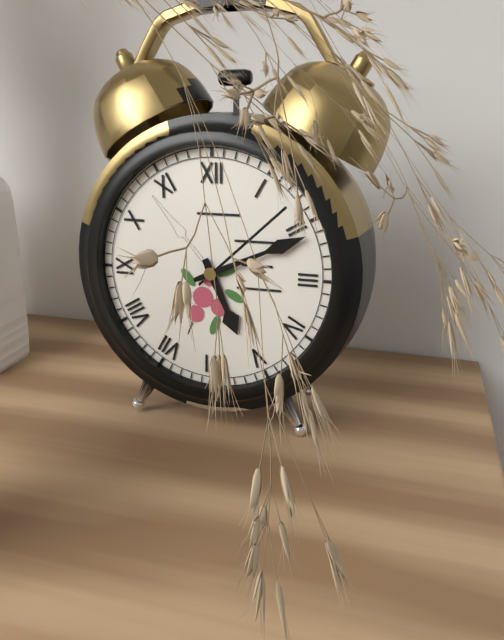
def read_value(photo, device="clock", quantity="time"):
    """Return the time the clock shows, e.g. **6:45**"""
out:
**5:11**
